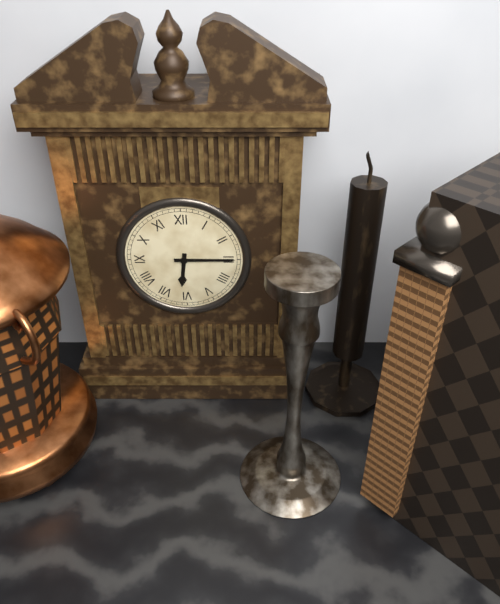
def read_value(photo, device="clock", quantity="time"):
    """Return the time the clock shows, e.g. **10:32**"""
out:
**6:15**
